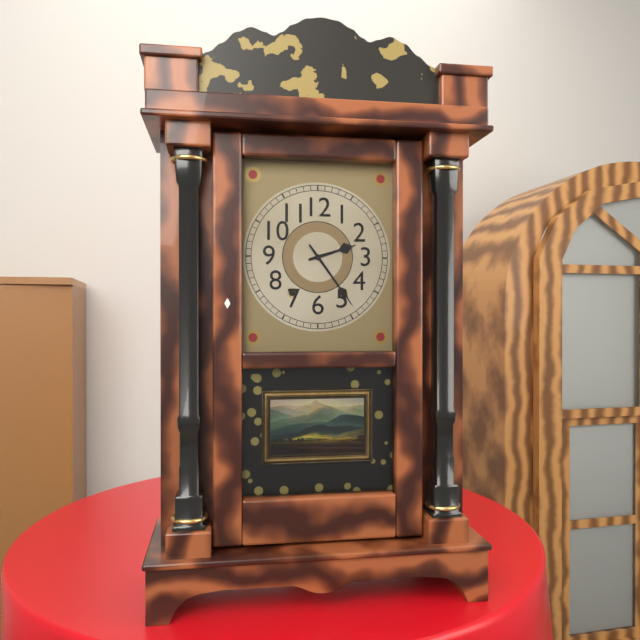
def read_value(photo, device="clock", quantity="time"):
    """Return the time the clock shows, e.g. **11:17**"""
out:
**2:24**
